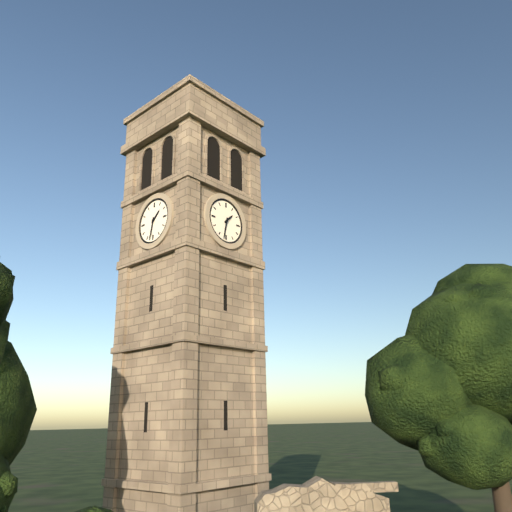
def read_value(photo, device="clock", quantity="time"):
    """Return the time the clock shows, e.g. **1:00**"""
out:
**1:32**
